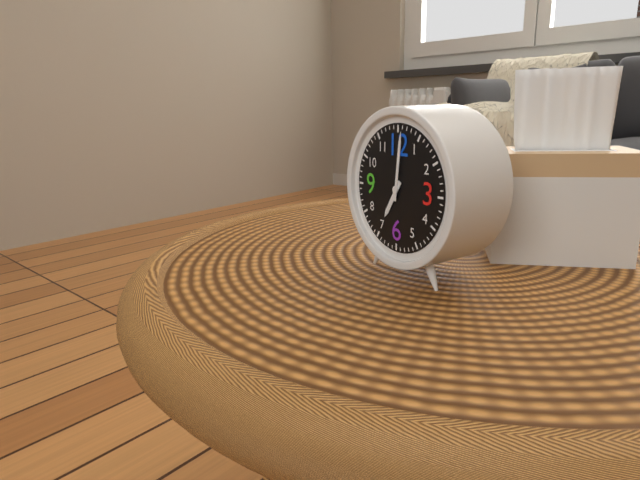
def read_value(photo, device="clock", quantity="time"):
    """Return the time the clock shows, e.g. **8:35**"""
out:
**7:01**
